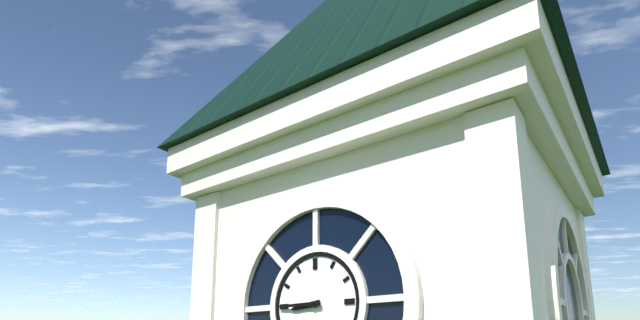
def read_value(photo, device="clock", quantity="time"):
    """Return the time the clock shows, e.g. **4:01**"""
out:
**8:45**
